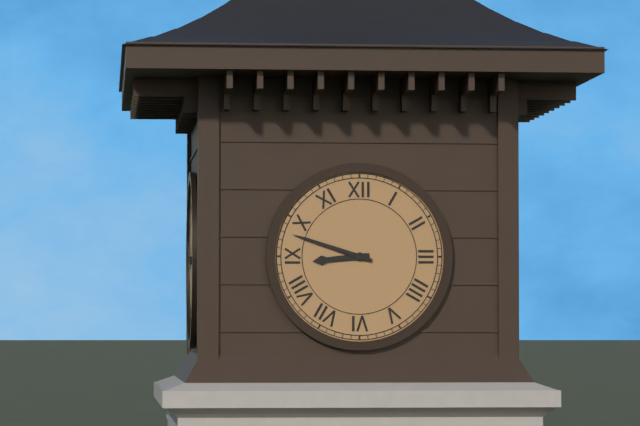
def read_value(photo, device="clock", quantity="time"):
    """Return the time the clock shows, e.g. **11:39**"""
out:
**8:48**
